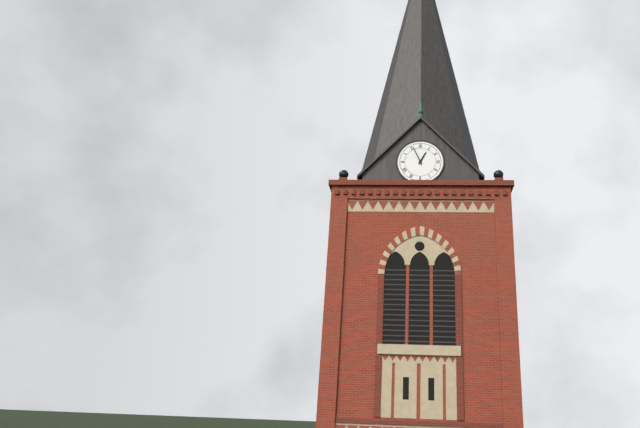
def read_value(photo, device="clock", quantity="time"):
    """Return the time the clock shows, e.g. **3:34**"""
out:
**12:56**
